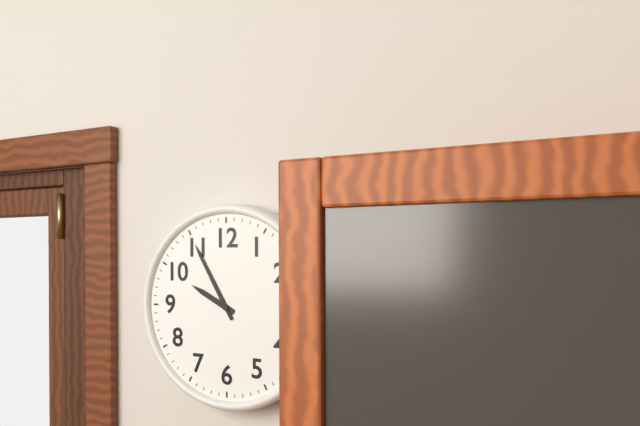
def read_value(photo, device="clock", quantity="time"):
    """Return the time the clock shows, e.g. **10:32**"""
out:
**9:55**
